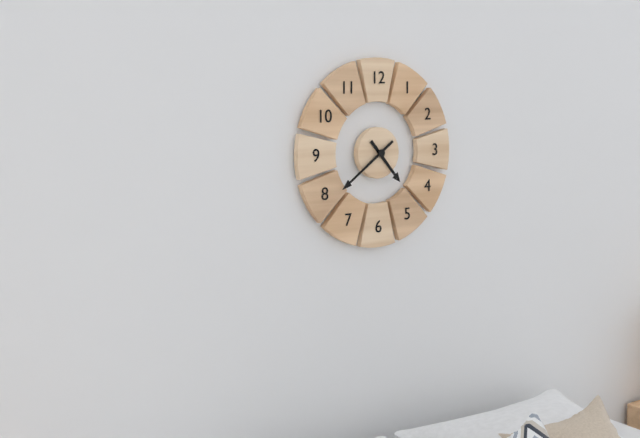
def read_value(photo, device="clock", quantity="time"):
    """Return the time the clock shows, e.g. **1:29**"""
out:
**4:39**
